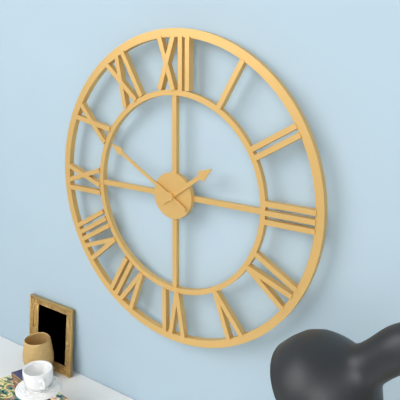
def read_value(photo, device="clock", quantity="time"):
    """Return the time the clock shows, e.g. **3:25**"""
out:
**1:50**
